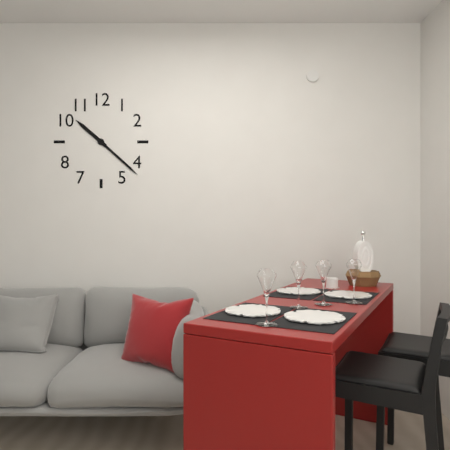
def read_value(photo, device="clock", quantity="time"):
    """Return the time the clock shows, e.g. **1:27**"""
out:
**10:22**
